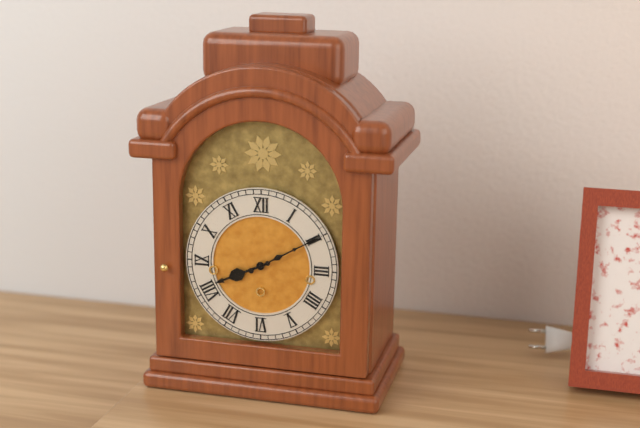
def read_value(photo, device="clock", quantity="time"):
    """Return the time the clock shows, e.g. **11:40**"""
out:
**8:10**
